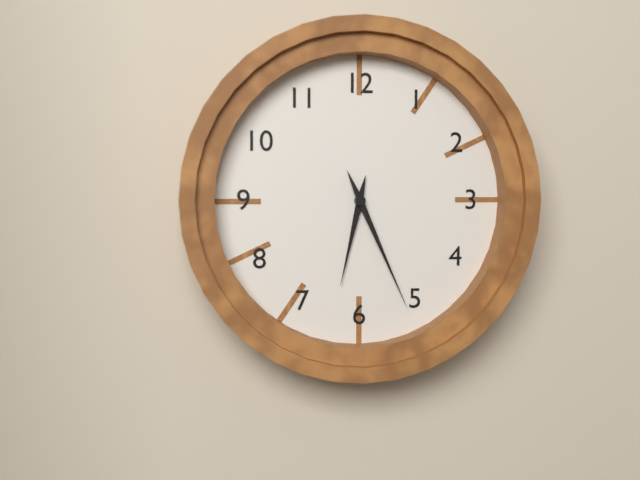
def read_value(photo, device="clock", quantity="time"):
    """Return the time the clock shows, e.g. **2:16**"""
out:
**6:26**
